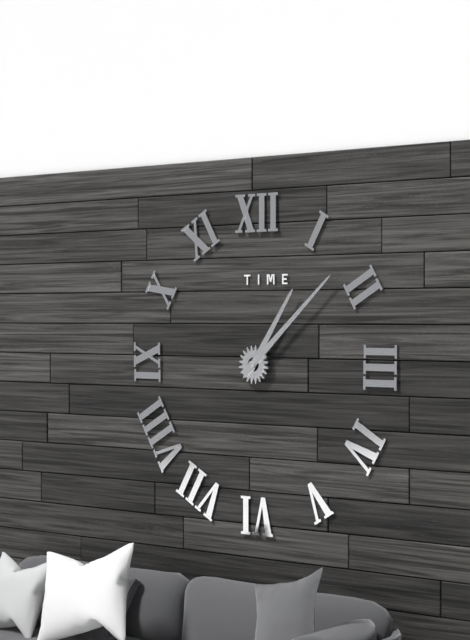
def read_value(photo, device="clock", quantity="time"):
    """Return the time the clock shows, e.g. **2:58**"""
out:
**1:08**
